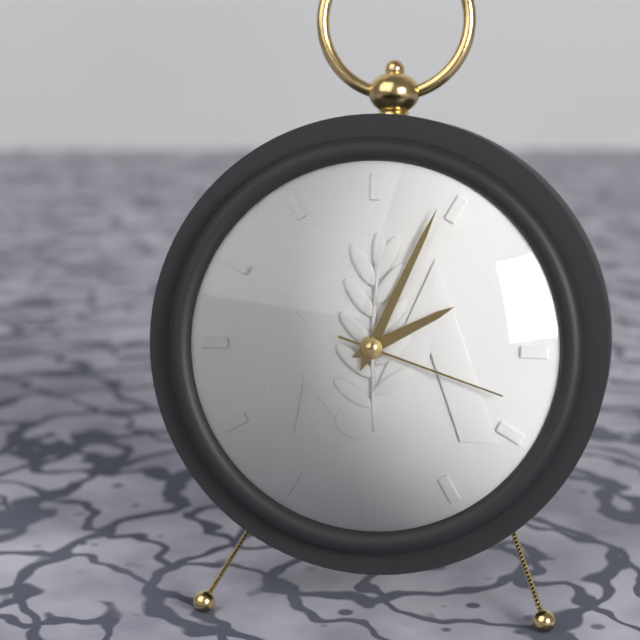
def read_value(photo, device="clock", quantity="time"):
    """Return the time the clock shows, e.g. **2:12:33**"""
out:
**2:04:18**
